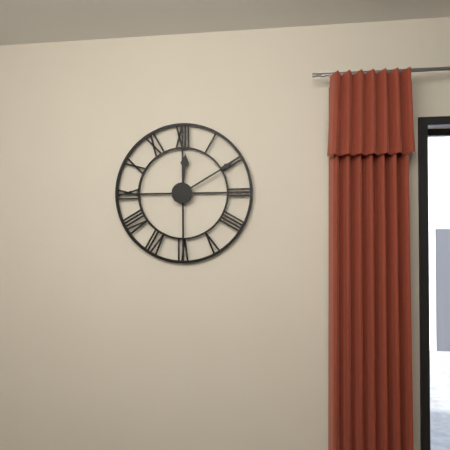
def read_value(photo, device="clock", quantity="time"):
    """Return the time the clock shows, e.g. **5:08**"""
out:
**12:10**
